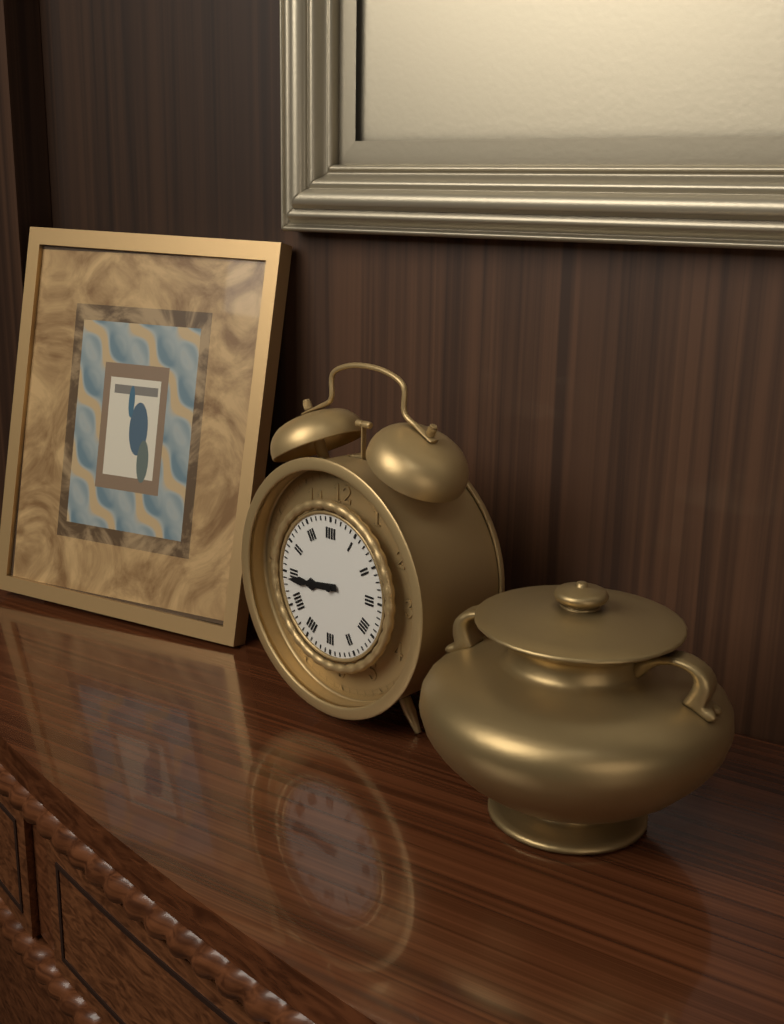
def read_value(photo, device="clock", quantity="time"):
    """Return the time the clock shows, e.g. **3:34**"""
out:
**8:44**
